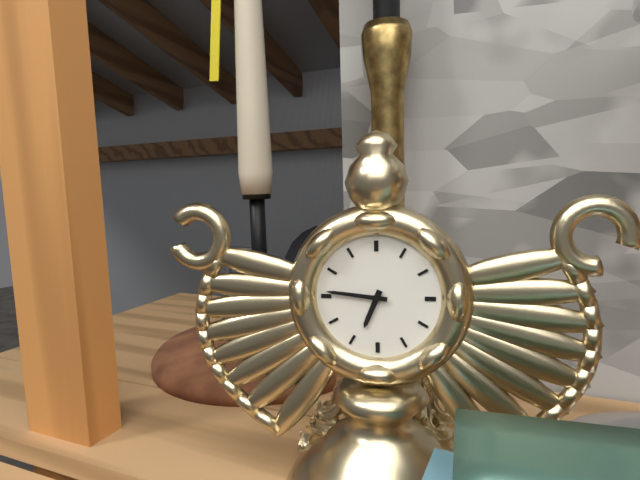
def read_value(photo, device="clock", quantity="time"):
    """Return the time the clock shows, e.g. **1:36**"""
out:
**6:46**
